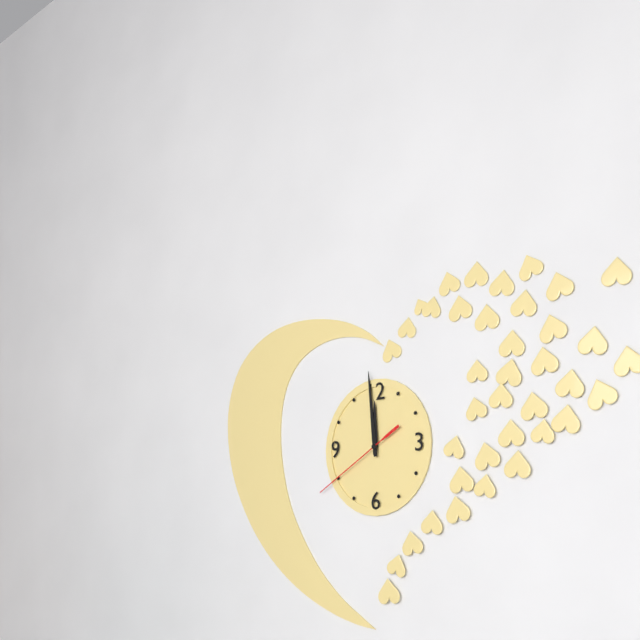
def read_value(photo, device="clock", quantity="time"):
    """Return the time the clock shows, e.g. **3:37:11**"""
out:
**11:59:40**
